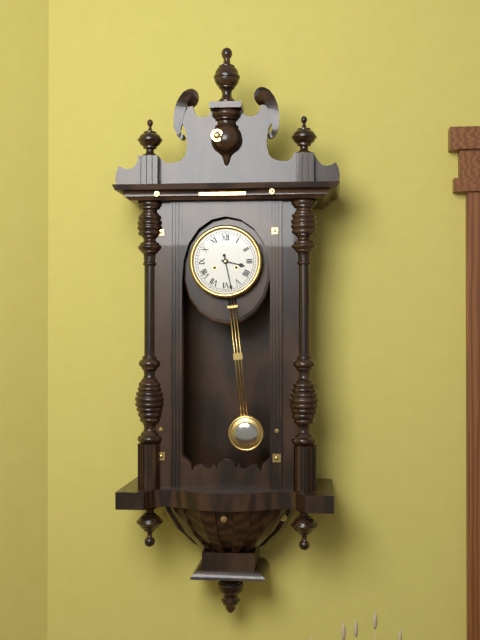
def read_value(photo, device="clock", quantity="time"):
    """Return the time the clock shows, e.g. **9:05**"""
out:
**3:28**
